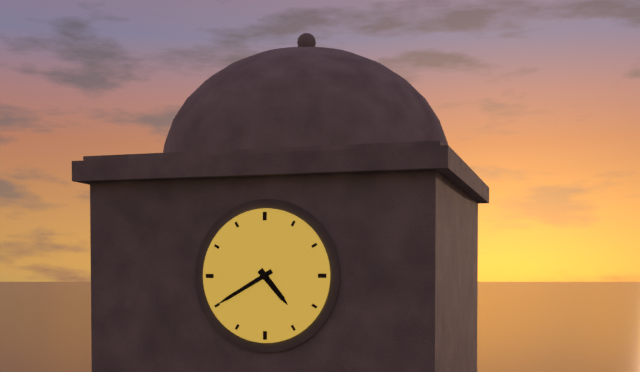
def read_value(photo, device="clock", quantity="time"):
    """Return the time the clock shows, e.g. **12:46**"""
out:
**4:40**
